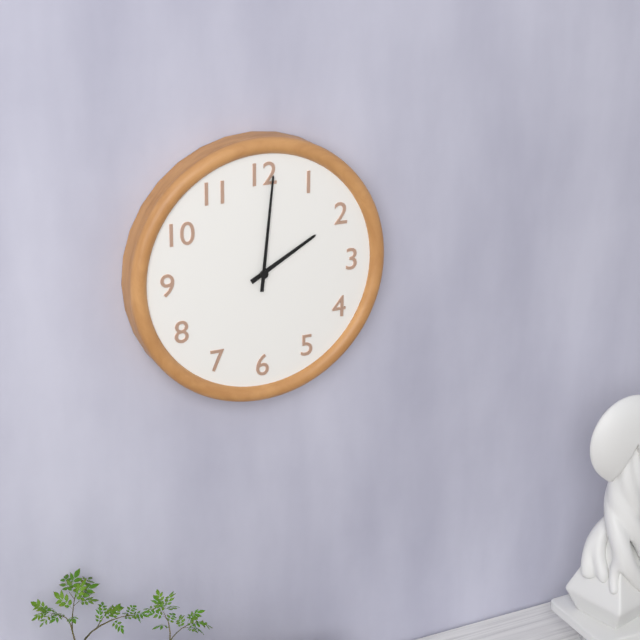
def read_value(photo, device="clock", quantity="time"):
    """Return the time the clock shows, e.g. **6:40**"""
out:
**2:01**
